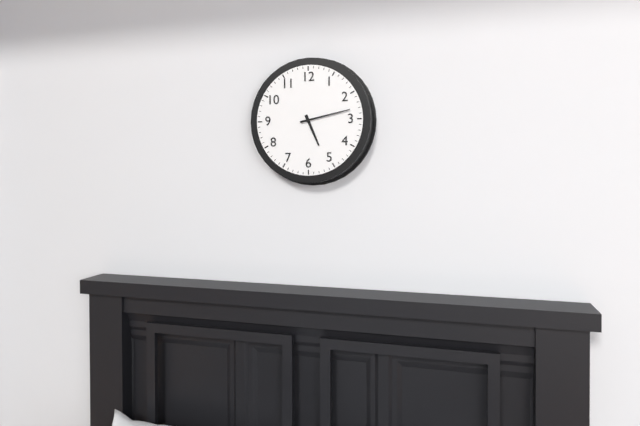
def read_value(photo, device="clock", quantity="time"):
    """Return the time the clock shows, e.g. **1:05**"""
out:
**5:13**
